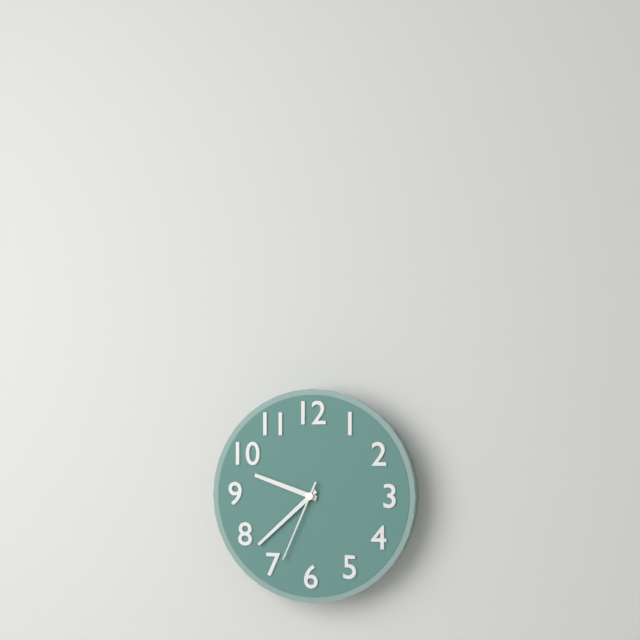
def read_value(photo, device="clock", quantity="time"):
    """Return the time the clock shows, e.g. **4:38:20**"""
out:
**9:38:34**
